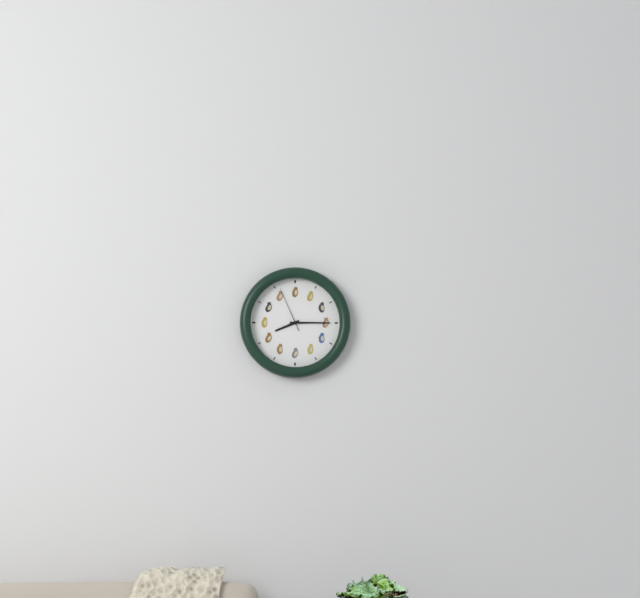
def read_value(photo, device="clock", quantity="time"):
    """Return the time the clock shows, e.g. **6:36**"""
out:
**8:15**
